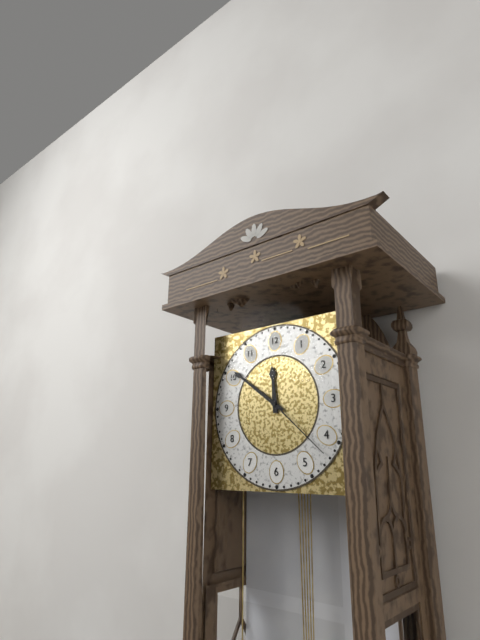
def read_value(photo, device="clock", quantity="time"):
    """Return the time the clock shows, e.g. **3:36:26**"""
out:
**11:51:22**
